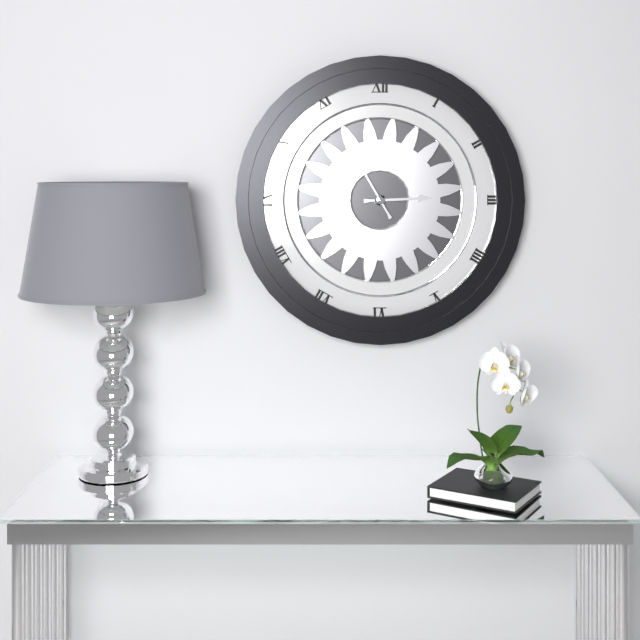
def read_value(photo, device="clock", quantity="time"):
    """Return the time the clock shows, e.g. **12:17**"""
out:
**2:55**
